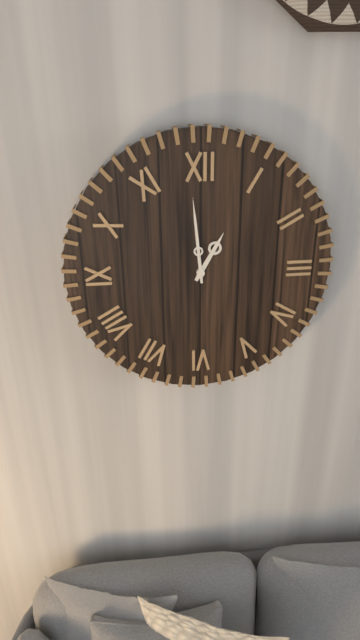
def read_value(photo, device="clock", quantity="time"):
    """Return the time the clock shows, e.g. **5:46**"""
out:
**12:59**
